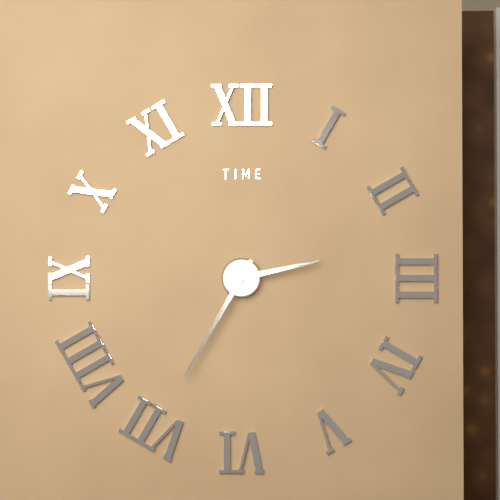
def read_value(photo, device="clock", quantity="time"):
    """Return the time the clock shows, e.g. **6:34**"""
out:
**2:35**
